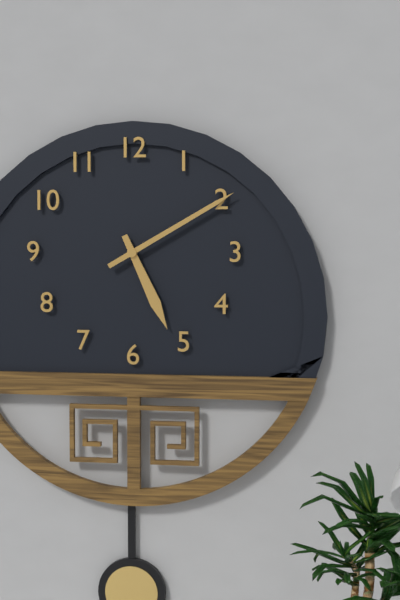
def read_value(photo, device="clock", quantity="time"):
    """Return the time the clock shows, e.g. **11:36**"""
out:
**5:10**
